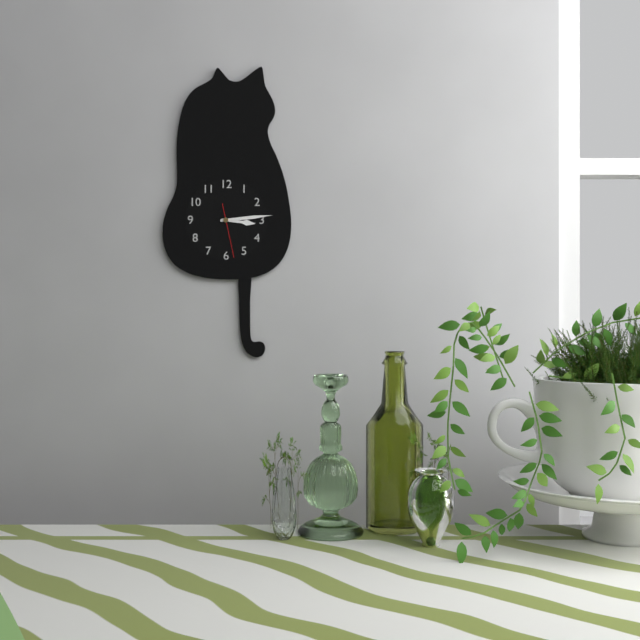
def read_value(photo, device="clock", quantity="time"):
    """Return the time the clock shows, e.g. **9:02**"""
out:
**3:14**
